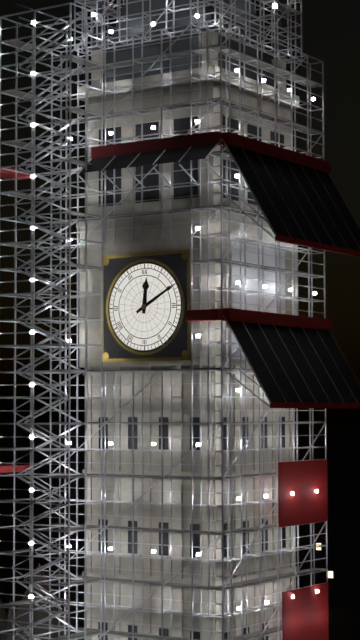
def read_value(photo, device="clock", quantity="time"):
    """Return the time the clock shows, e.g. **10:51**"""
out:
**12:10**
